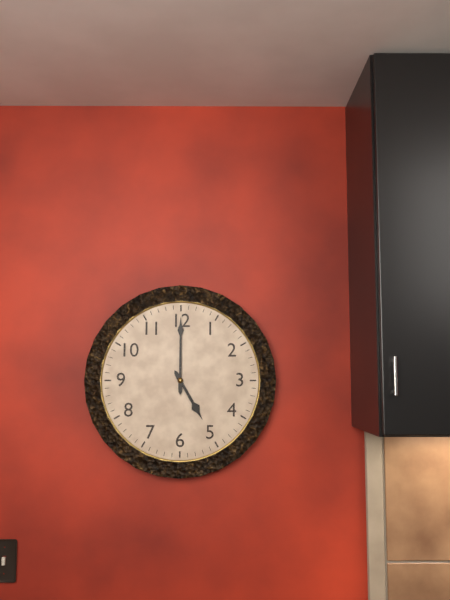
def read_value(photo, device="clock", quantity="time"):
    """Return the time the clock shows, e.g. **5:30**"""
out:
**5:00**
